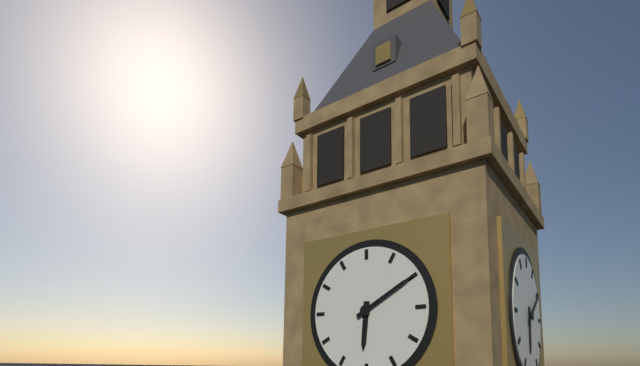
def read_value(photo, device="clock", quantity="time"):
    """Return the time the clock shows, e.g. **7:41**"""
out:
**6:10**
